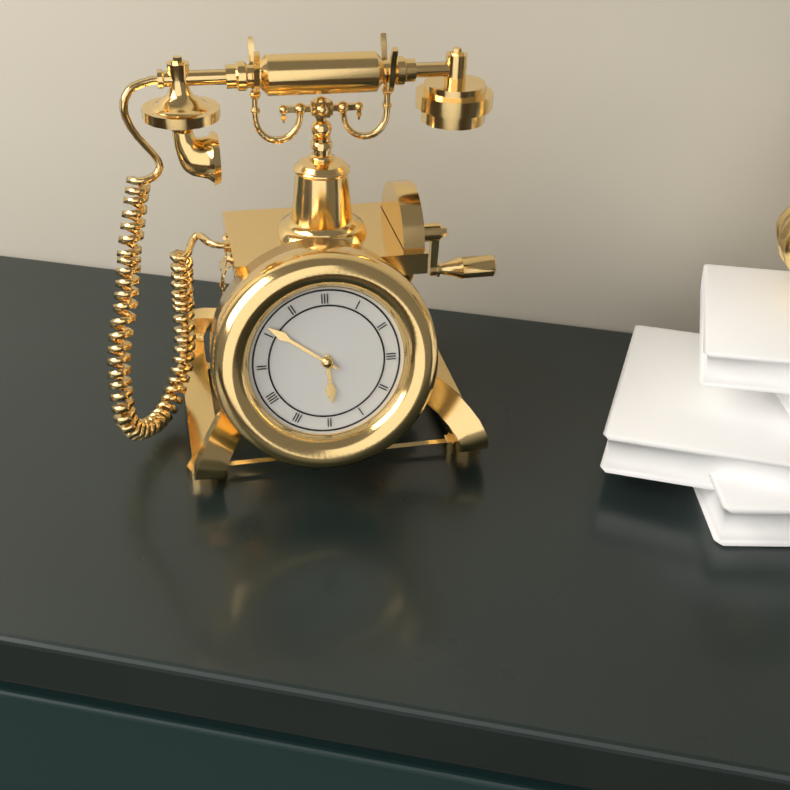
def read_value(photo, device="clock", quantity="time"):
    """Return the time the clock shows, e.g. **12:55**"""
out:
**5:51**
